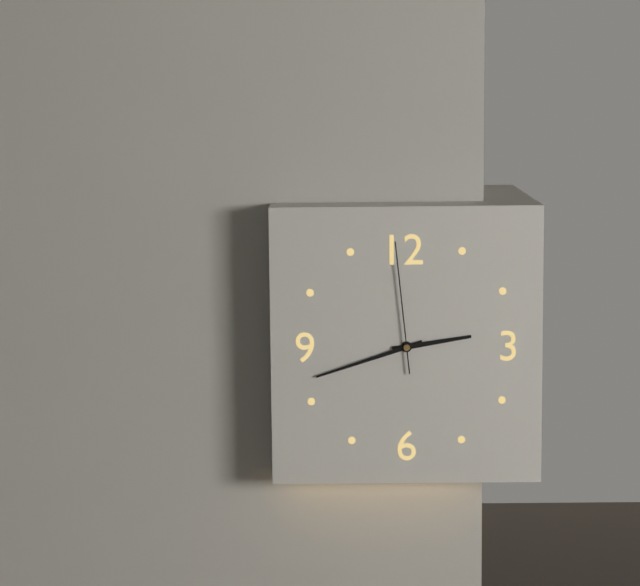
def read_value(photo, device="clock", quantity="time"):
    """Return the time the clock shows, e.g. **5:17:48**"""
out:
**2:42:59**
